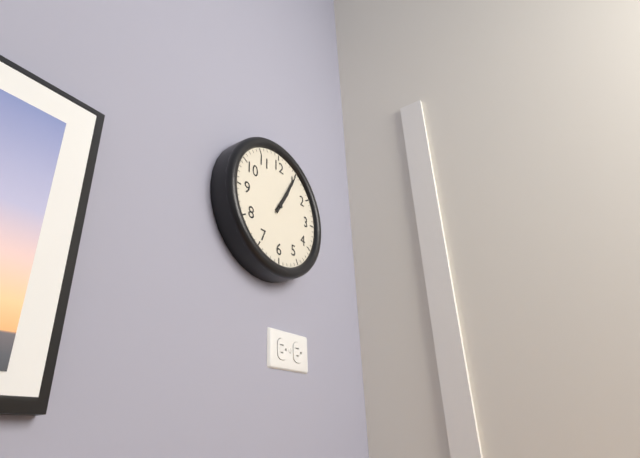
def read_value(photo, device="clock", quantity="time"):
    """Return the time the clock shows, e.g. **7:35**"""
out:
**1:05**
